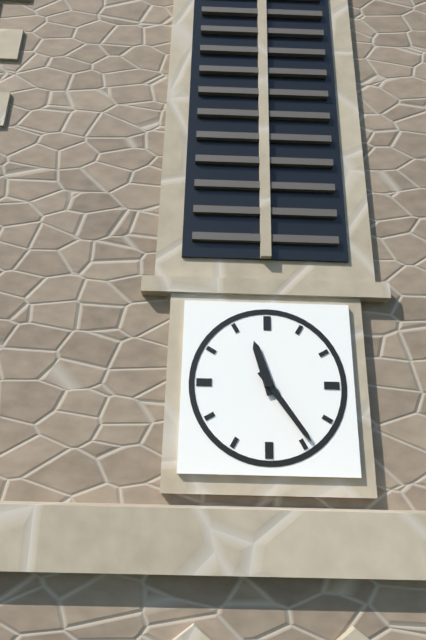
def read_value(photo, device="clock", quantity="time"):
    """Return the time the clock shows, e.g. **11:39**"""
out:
**11:24**
